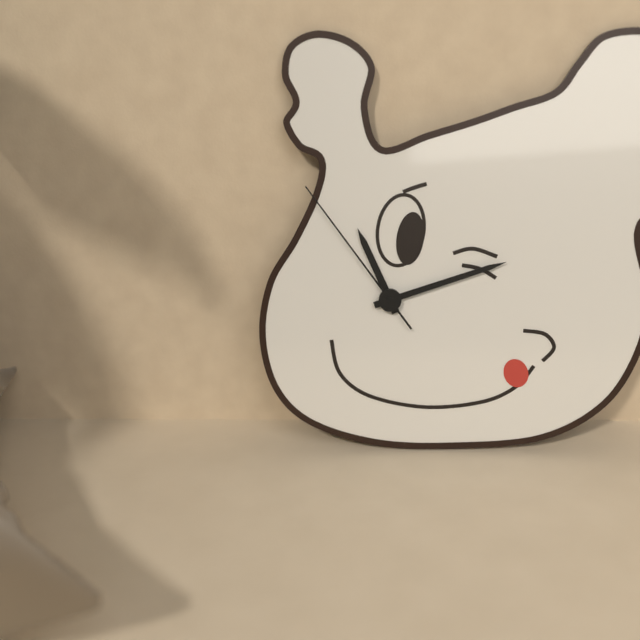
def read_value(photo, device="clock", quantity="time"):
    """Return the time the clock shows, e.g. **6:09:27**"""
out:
**11:12:54**
